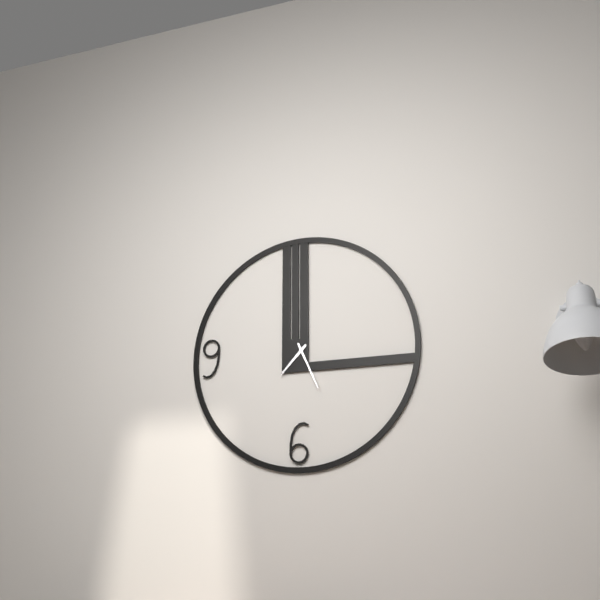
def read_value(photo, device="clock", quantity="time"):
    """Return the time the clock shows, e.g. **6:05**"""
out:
**7:26**
